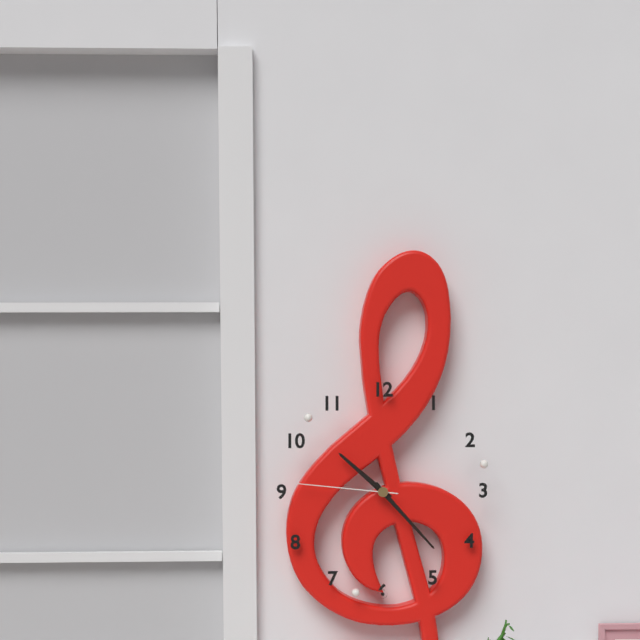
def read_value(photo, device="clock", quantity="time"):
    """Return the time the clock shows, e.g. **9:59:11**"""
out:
**10:23:46**
